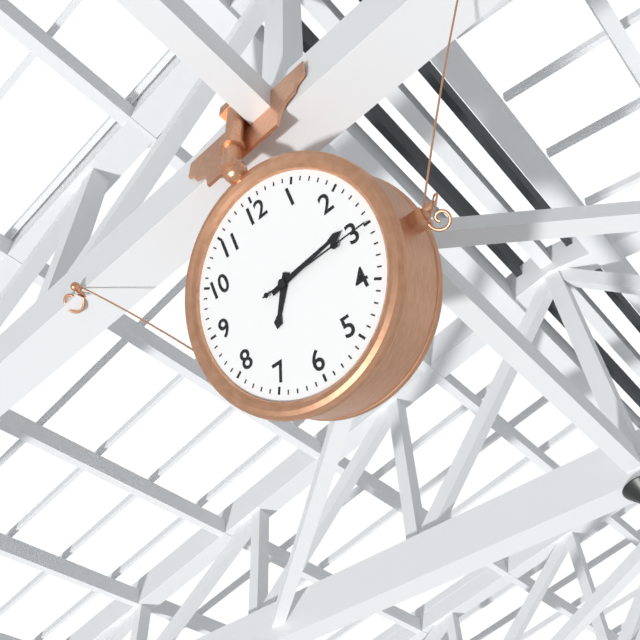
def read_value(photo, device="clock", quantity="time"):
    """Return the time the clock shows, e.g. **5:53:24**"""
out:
**7:14:15**
